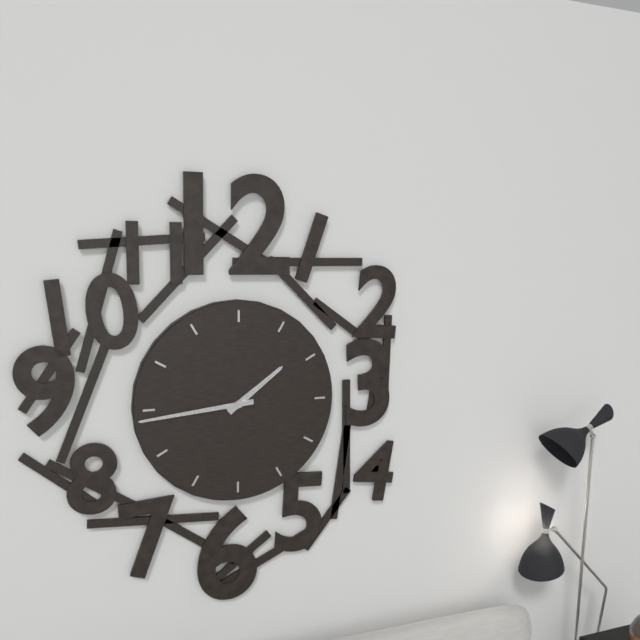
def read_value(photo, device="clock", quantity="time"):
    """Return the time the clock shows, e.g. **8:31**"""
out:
**1:44**
